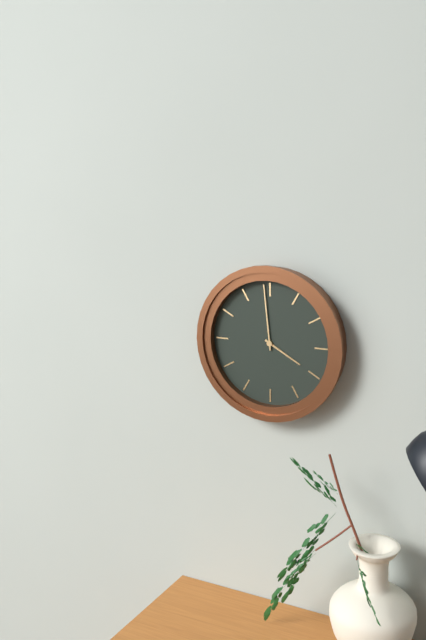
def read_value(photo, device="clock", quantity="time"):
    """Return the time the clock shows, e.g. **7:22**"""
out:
**3:59**
